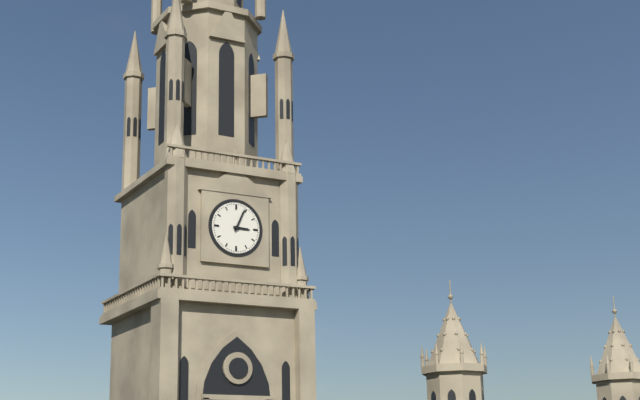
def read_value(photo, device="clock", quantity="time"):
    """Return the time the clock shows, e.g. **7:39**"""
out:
**3:04**
